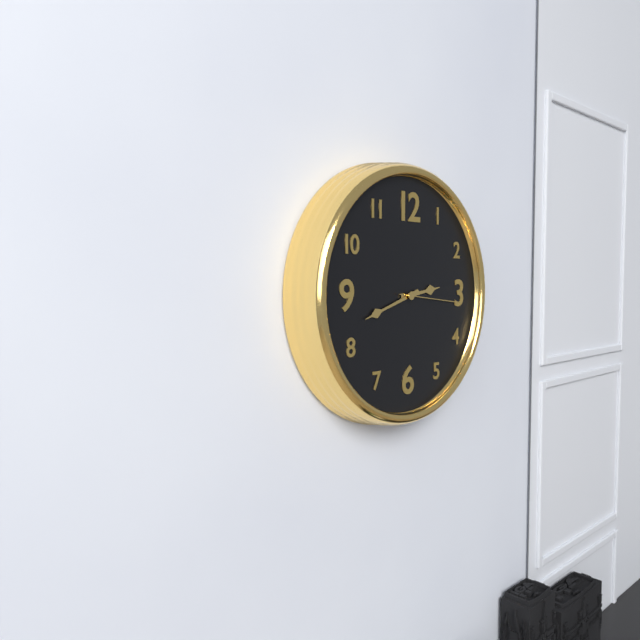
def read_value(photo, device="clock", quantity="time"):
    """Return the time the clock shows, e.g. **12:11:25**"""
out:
**2:42:16**
